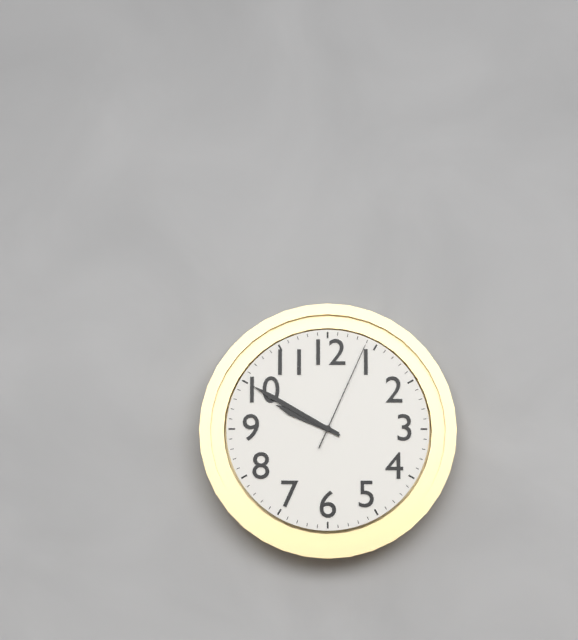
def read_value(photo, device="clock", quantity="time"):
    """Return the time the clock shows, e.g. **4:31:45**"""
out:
**9:50:04**
